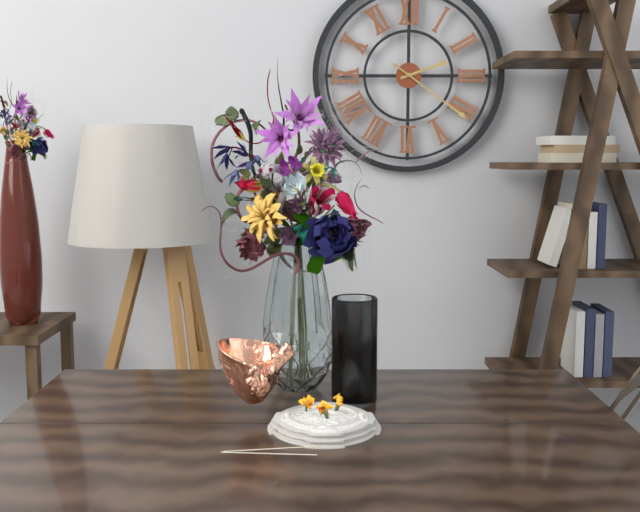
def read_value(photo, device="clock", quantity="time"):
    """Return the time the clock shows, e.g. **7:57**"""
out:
**2:21**
